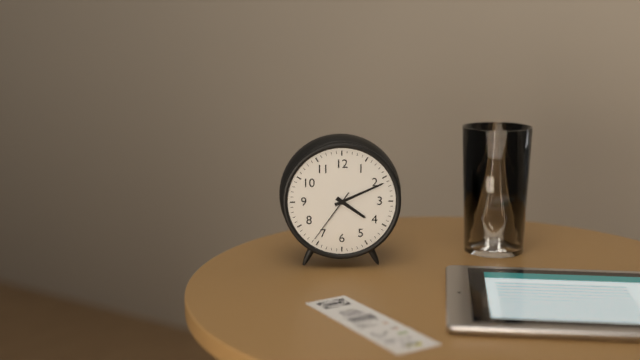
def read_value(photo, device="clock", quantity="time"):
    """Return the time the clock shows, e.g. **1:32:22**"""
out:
**4:11:36**
